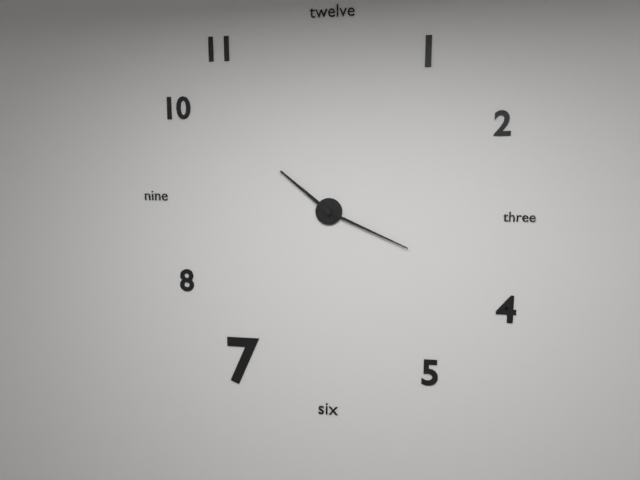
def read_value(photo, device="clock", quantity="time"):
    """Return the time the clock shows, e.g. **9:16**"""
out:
**10:19**
